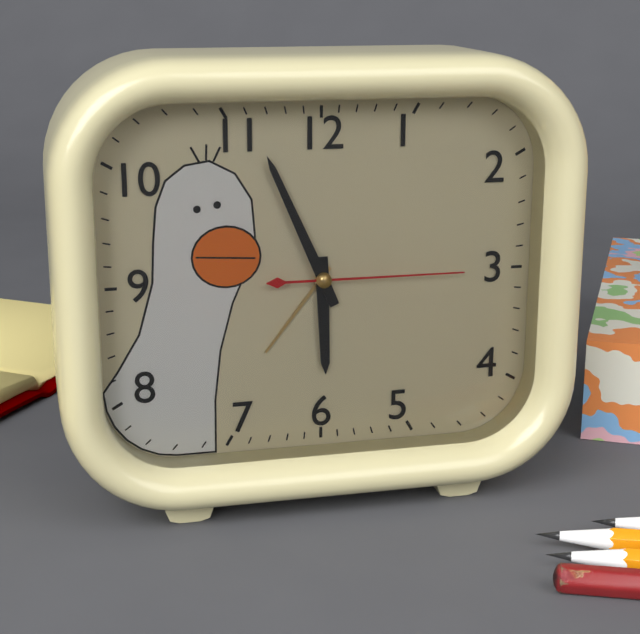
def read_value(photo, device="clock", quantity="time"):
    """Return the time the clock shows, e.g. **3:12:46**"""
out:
**5:56:15**
